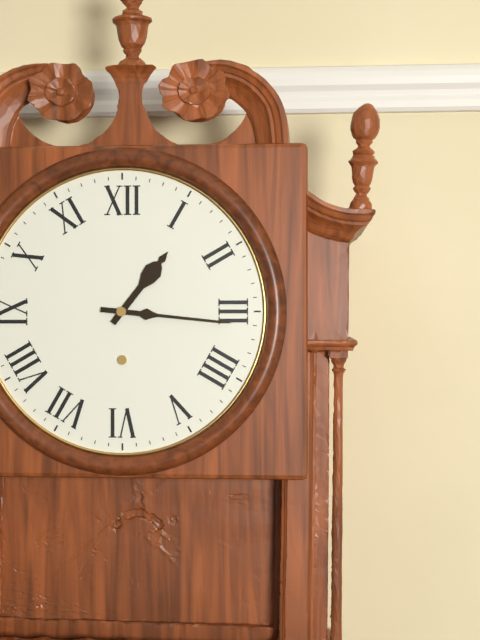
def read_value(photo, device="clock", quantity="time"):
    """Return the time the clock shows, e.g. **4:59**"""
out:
**1:16**
